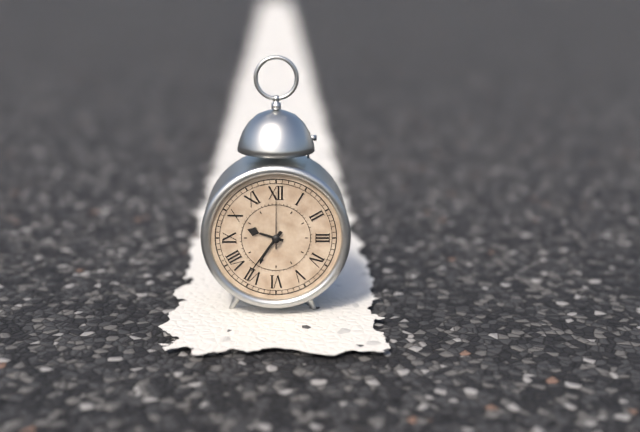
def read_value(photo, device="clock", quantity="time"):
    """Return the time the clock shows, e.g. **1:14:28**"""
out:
**9:36:00**
